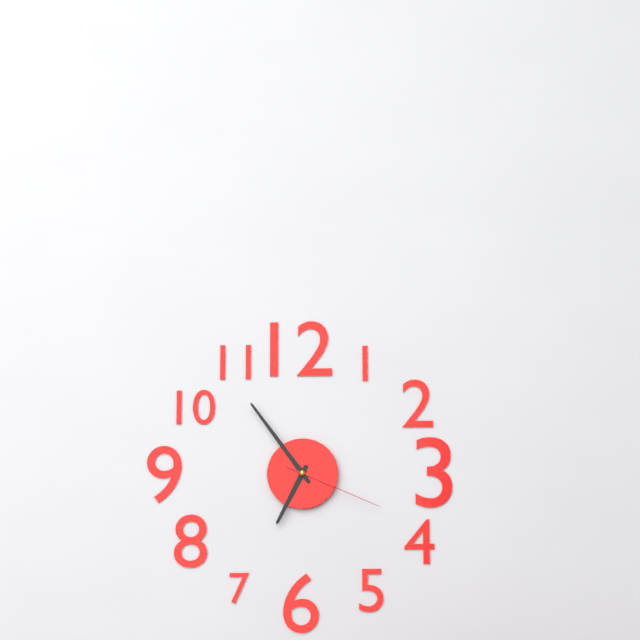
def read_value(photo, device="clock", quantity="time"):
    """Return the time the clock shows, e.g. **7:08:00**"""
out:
**6:54:19**
